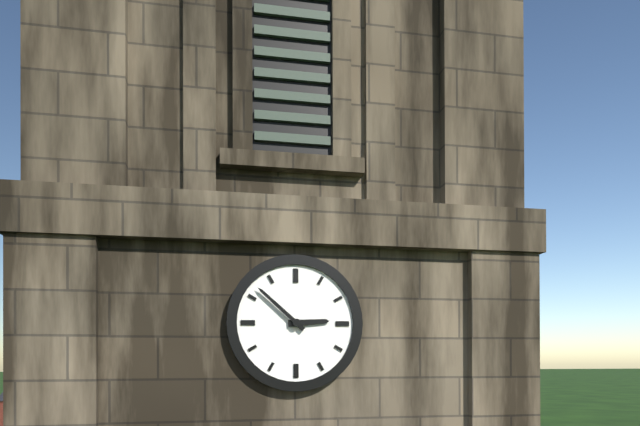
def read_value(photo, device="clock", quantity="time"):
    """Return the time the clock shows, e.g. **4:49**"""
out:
**2:52**
